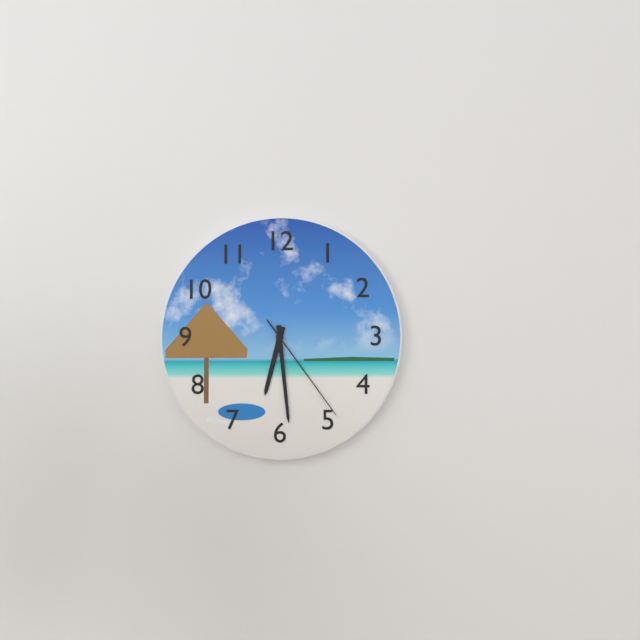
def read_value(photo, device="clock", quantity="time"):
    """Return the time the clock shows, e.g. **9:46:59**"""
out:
**6:29:24**
